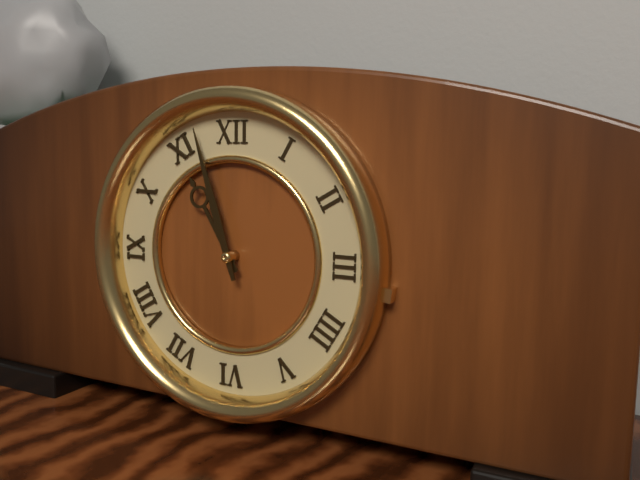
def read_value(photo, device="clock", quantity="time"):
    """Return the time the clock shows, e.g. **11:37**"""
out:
**10:57**
